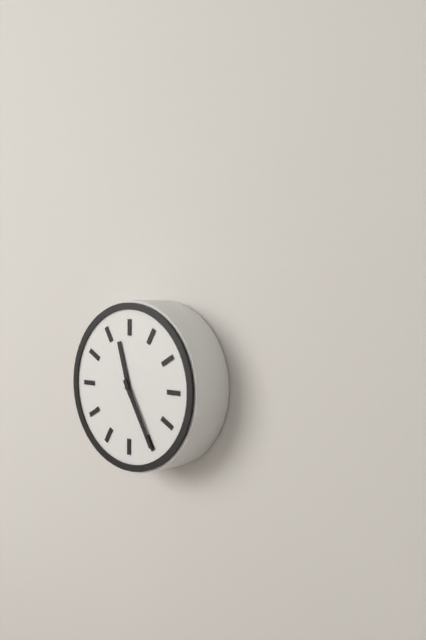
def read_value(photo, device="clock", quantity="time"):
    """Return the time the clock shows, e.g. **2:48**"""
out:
**11:25**
